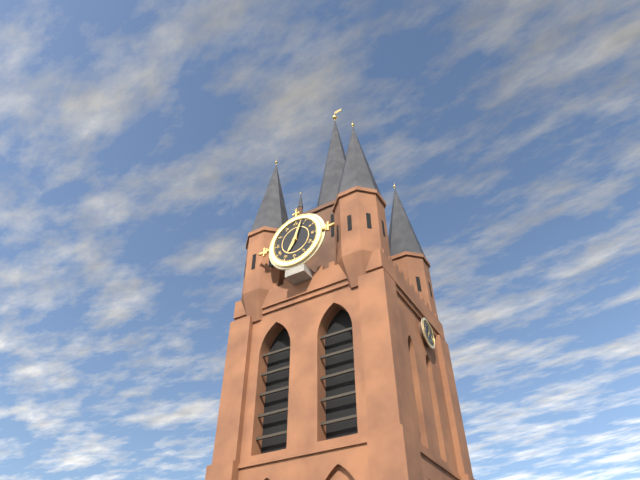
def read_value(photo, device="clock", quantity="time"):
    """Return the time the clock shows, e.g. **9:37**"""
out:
**7:03**
